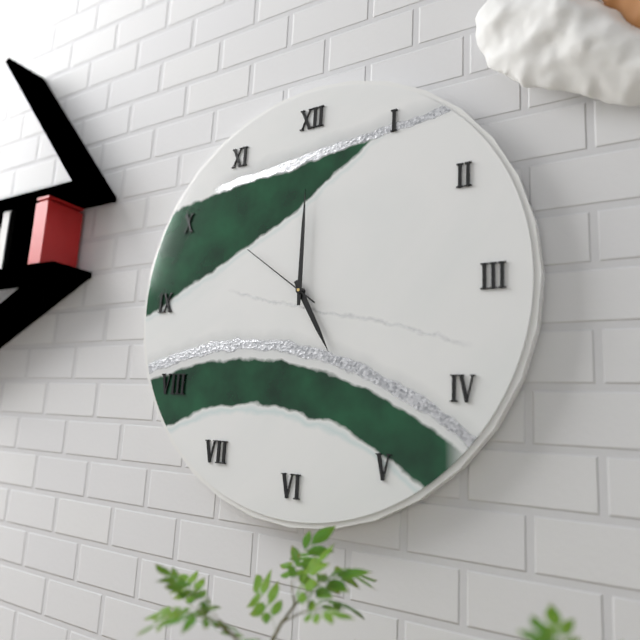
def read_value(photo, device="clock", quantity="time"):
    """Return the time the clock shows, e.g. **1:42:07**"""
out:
**5:00:51**
